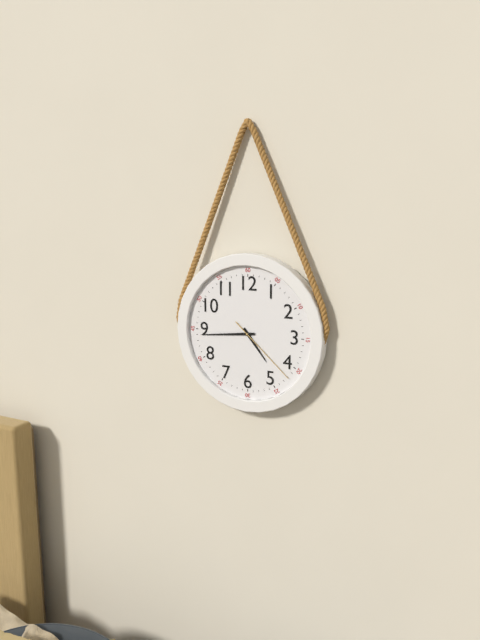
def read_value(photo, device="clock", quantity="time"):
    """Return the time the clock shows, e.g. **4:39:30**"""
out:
**4:44:22**
